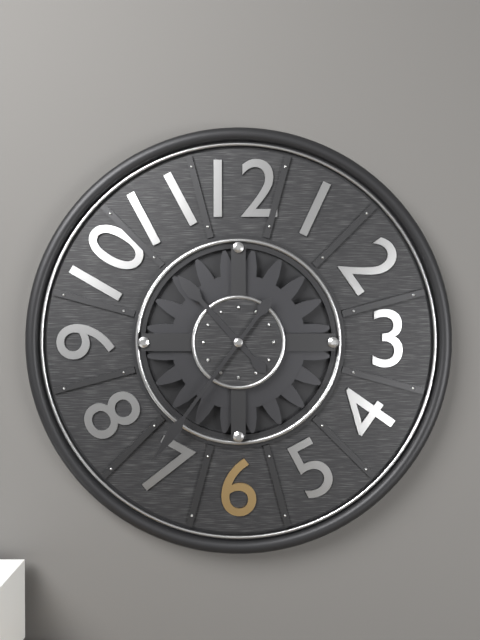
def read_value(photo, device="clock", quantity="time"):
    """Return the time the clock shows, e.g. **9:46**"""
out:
**10:36**
